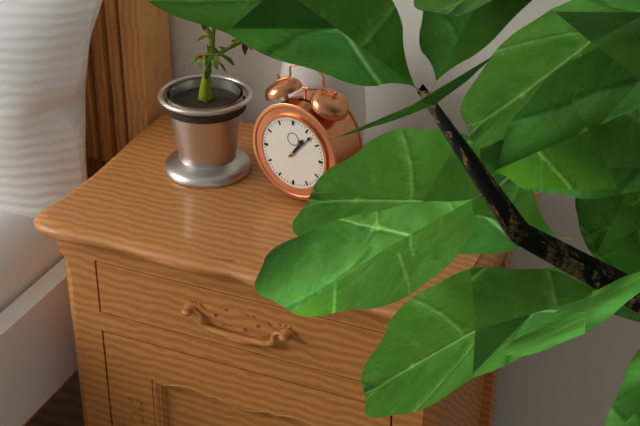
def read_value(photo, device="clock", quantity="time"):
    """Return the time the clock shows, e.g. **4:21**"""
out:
**1:07**
